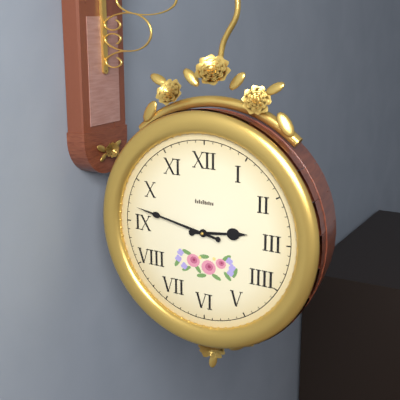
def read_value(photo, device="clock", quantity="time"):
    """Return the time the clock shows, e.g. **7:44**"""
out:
**2:47**
